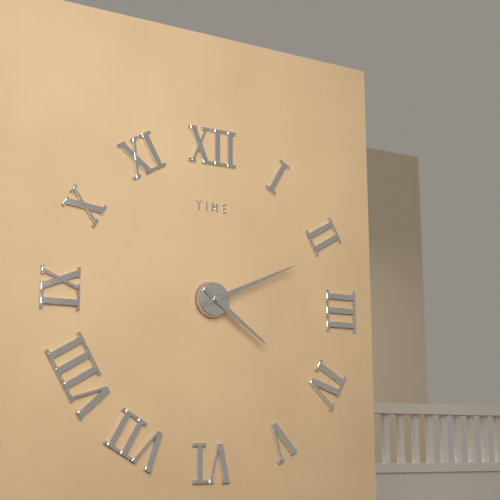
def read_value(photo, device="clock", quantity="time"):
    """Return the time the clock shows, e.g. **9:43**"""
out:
**4:11**
